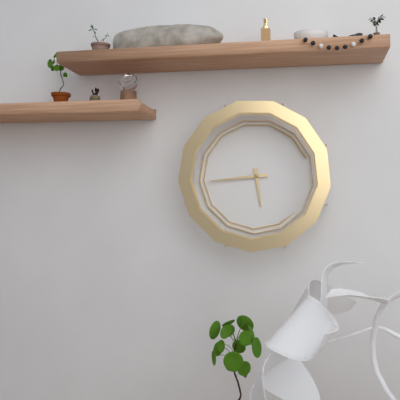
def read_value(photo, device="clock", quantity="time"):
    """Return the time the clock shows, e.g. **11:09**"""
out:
**5:44**
